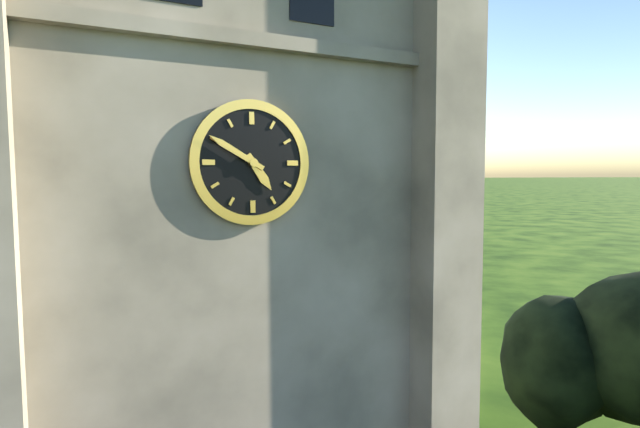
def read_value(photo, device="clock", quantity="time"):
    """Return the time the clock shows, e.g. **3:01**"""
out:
**4:50**
